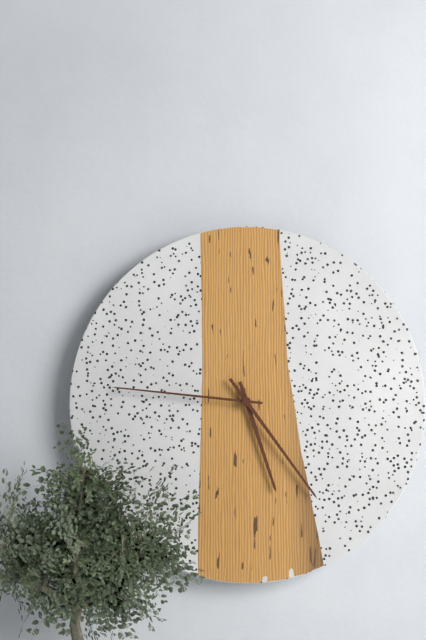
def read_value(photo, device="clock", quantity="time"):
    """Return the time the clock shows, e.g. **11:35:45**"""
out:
**5:24:46**
